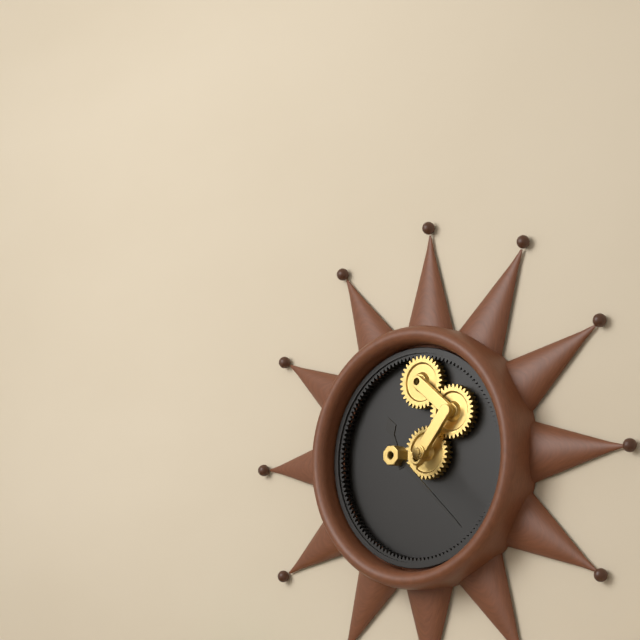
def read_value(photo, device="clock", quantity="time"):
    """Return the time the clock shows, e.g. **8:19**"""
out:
**11:22**
